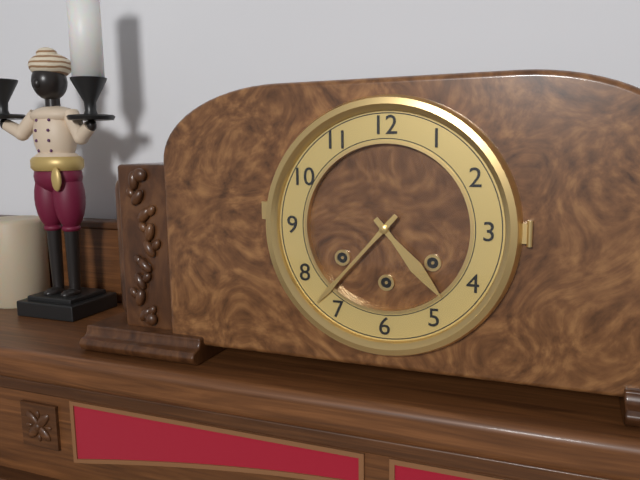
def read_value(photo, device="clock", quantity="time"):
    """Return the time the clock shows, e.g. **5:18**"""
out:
**4:37**
